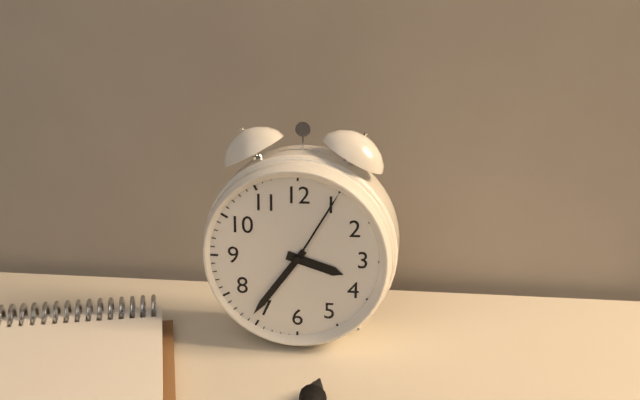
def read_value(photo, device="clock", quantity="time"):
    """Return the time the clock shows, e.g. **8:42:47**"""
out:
**3:36:05**
